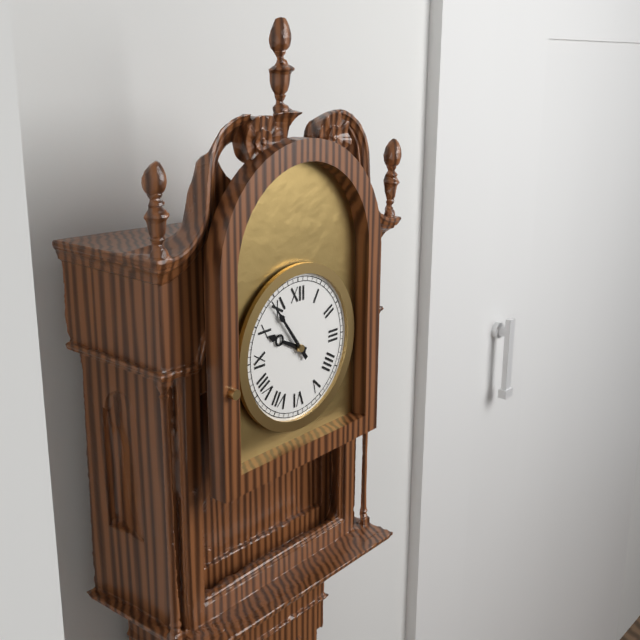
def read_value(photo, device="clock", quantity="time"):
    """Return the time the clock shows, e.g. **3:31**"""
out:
**9:54**
